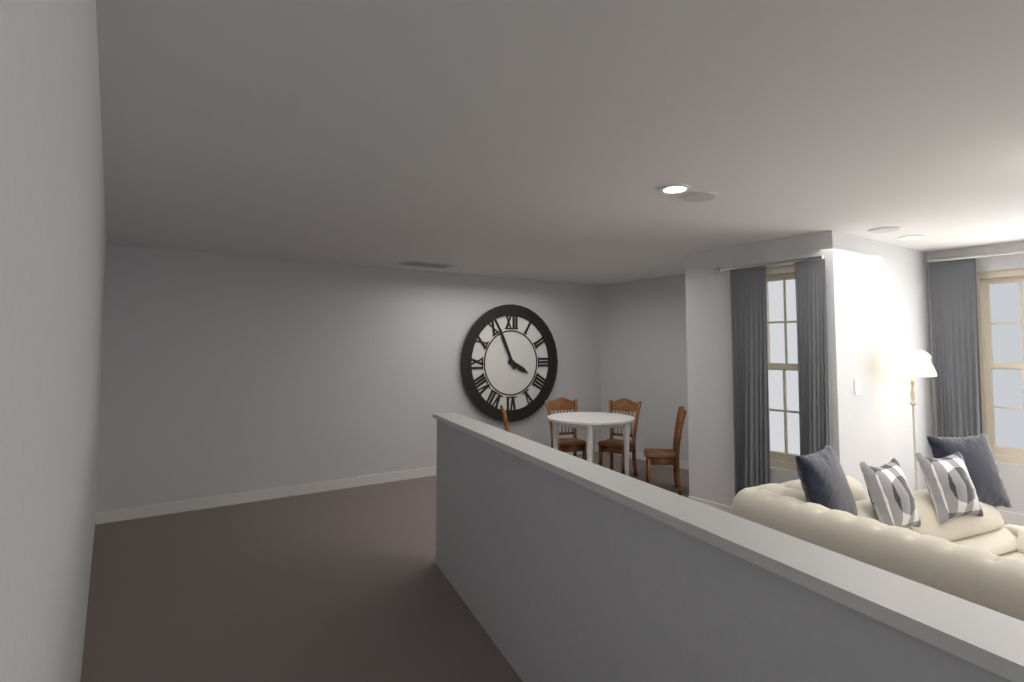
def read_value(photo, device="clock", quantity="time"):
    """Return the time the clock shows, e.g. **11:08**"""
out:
**3:56**
